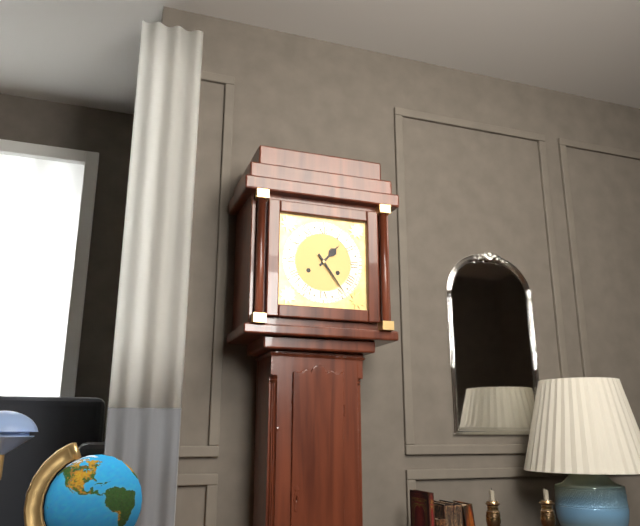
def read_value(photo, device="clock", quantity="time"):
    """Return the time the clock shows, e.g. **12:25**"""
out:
**1:24**
